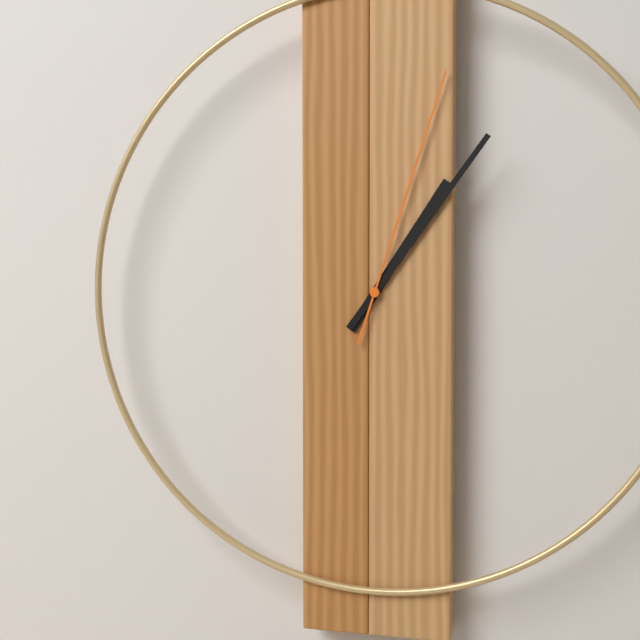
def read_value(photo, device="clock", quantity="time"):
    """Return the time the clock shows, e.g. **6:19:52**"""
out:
**1:06:03**
